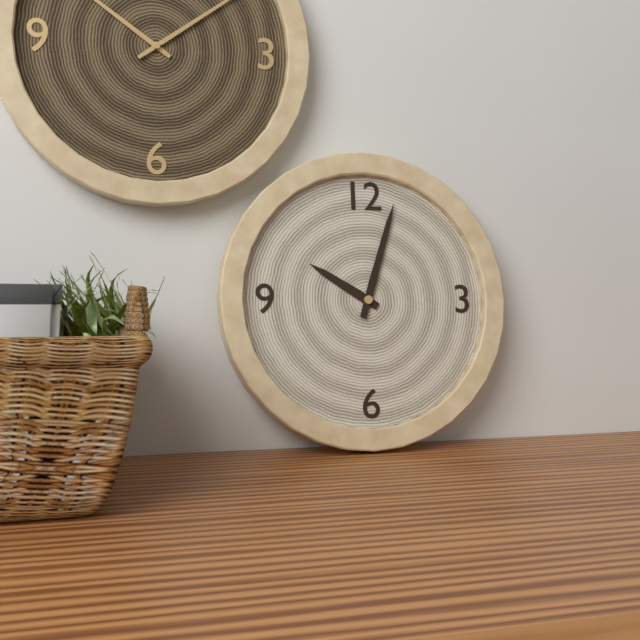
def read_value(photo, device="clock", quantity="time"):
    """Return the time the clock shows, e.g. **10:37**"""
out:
**10:03**
